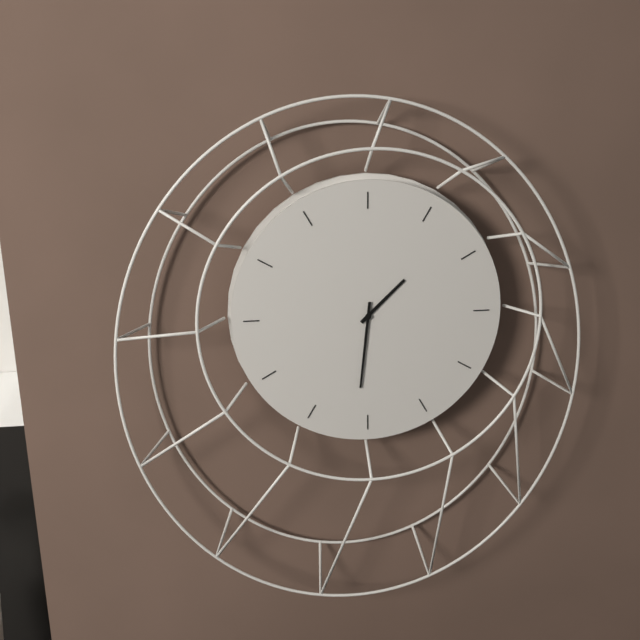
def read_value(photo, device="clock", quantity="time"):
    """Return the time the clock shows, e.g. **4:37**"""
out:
**1:31**
